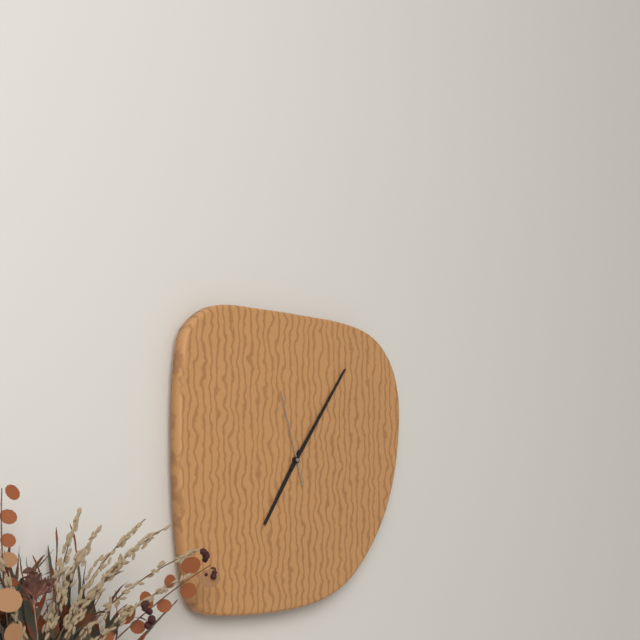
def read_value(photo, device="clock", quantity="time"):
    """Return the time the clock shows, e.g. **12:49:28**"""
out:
**7:06:57**
